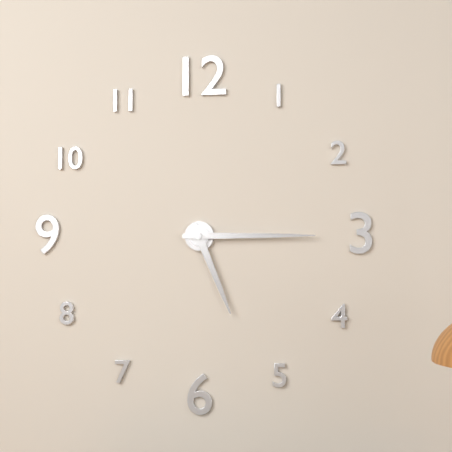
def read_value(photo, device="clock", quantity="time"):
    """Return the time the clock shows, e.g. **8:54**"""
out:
**5:15**
